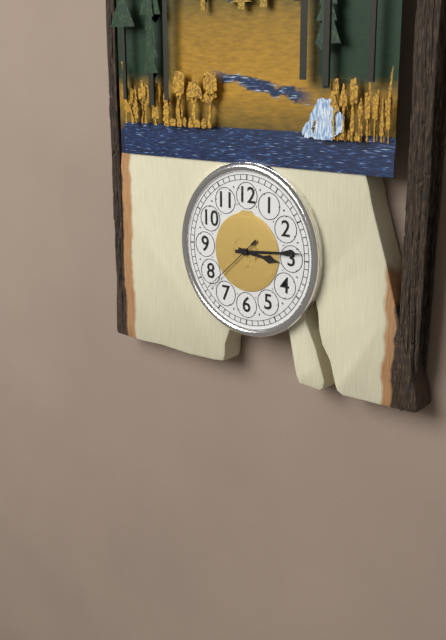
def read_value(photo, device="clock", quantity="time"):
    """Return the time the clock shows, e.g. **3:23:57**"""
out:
**3:14:38**
